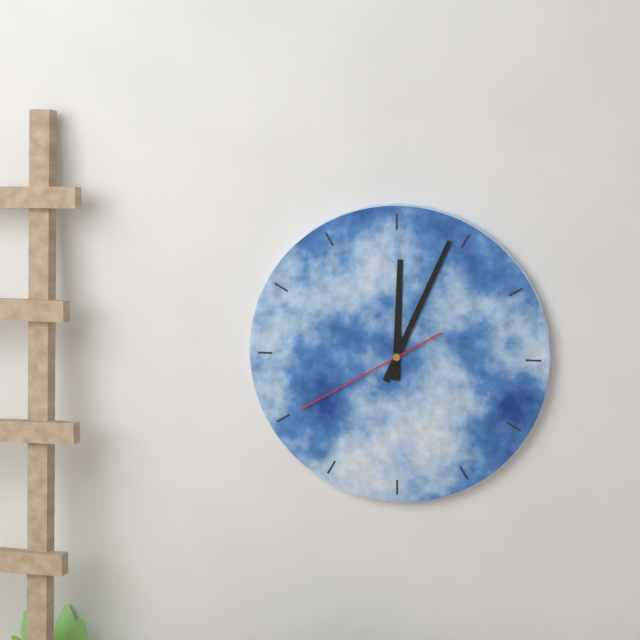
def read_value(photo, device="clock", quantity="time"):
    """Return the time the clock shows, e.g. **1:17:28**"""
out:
**12:04:40**
